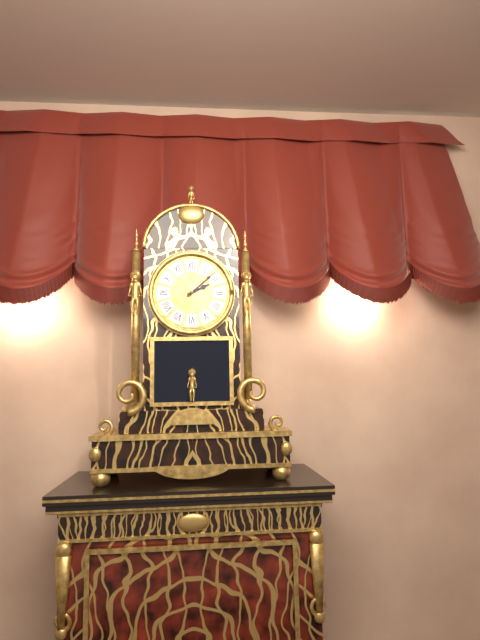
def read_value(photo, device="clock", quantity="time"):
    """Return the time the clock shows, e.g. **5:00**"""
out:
**2:08**
